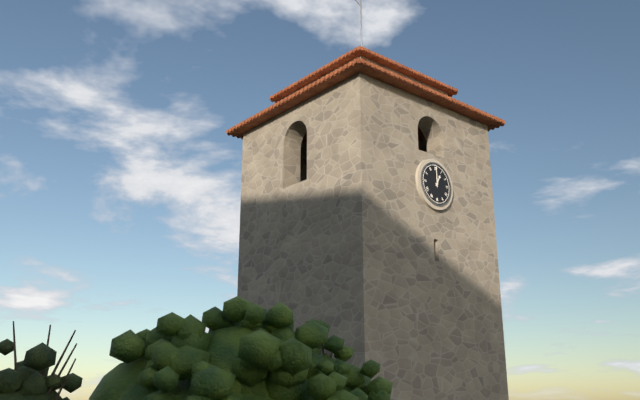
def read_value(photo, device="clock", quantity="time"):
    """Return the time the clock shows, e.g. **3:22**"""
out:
**1:00**
